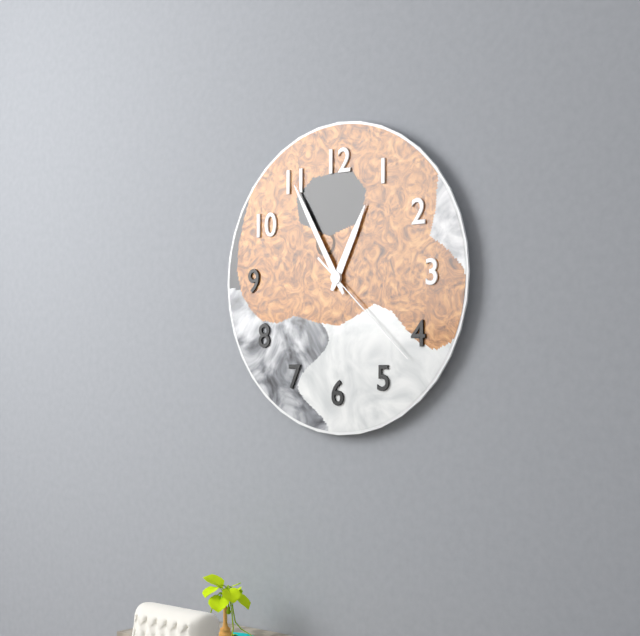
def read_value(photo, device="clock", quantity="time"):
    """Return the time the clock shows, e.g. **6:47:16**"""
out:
**12:55:22**
